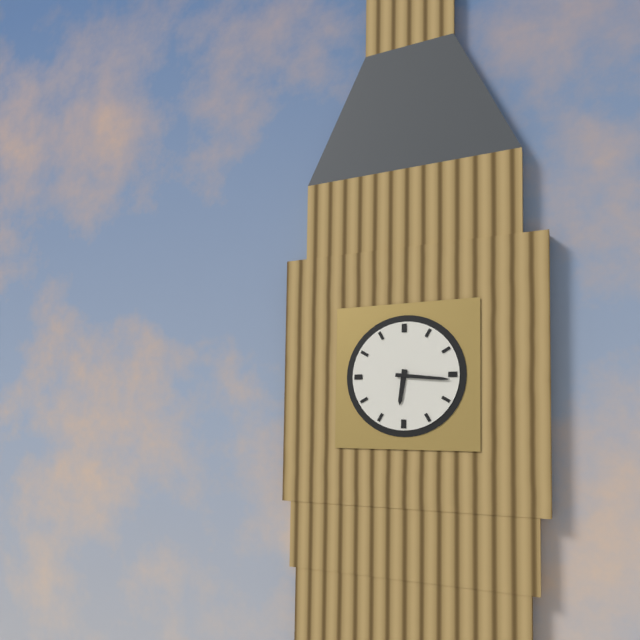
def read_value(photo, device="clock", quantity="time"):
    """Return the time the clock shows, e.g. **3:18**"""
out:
**6:16**
